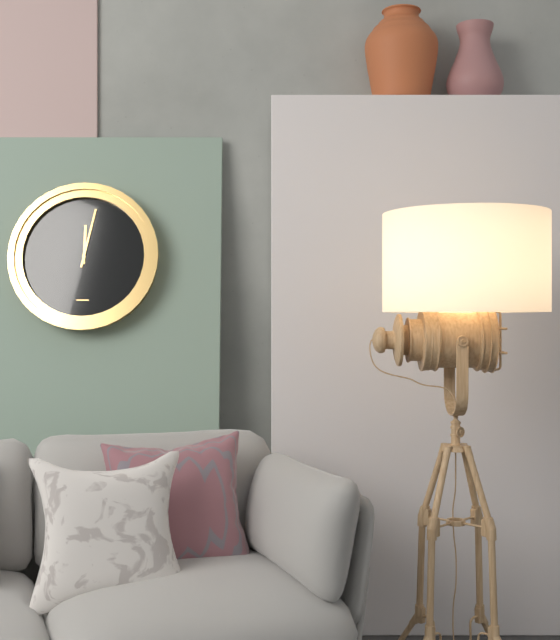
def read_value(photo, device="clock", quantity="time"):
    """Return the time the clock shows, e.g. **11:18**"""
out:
**12:02**
